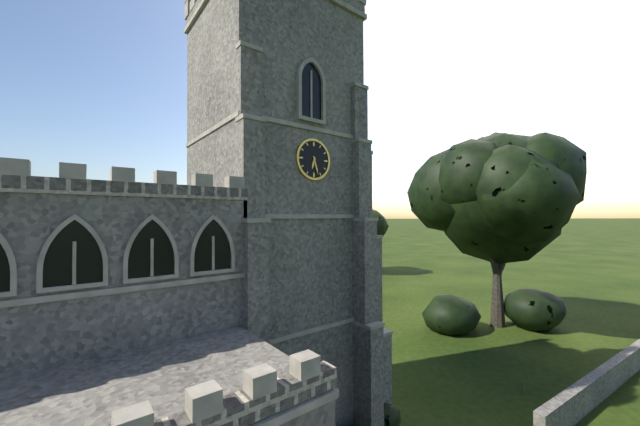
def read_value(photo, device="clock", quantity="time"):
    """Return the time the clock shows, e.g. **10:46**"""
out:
**6:27**
